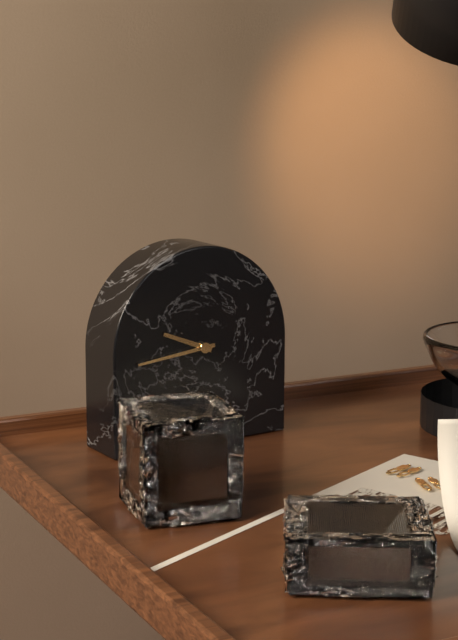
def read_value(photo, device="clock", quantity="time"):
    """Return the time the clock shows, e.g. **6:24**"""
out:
**9:44**
